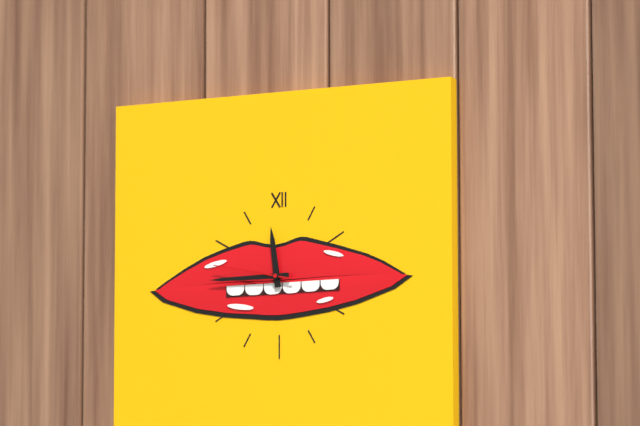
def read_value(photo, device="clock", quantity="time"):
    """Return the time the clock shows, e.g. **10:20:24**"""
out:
**11:45:47**
